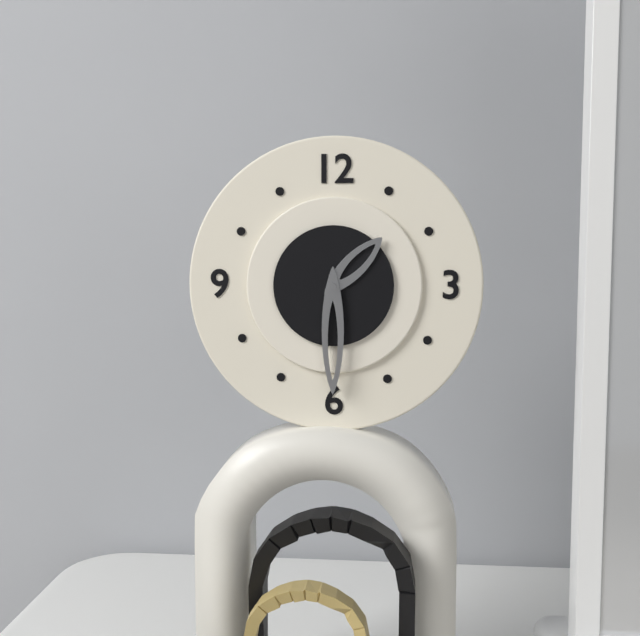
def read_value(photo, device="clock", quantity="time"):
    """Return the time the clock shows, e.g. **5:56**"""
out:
**1:30**
